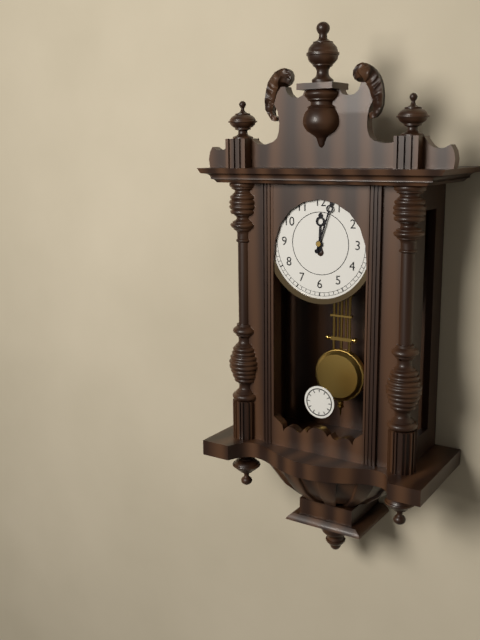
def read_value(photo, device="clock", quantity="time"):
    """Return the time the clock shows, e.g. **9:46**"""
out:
**12:03**
